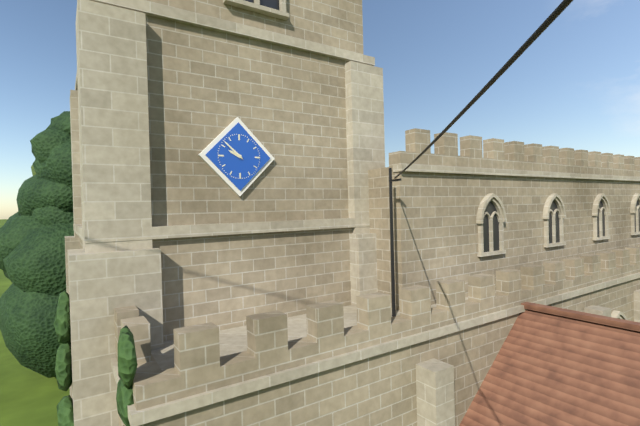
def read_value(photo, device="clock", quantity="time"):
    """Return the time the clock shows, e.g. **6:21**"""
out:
**9:52**
